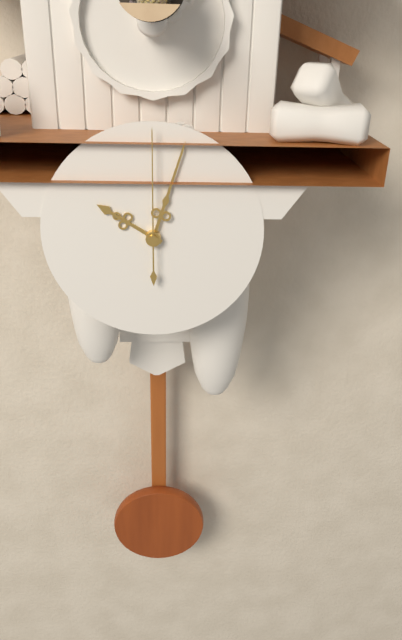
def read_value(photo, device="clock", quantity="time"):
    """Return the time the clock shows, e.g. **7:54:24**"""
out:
**10:03:00**
